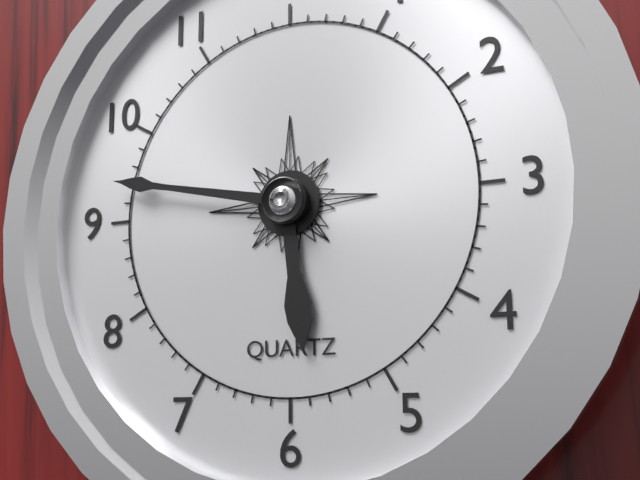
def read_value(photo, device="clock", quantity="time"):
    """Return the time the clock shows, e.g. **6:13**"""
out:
**5:47**
